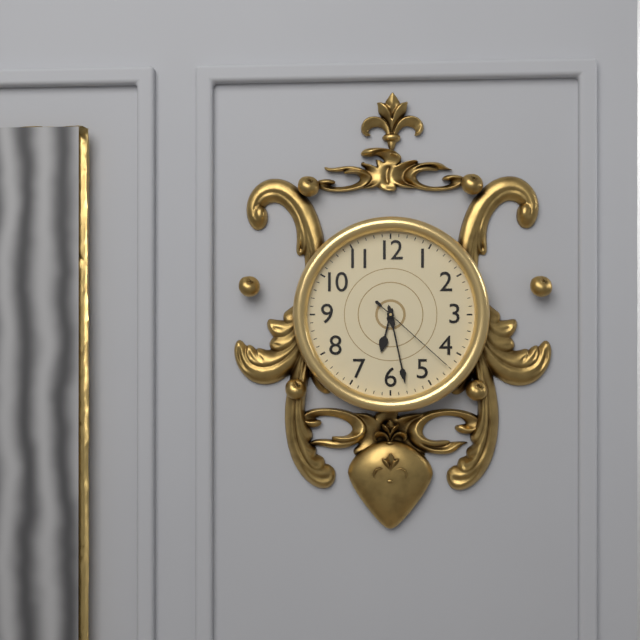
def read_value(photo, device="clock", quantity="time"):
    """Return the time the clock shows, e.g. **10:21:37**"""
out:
**6:28:22**
